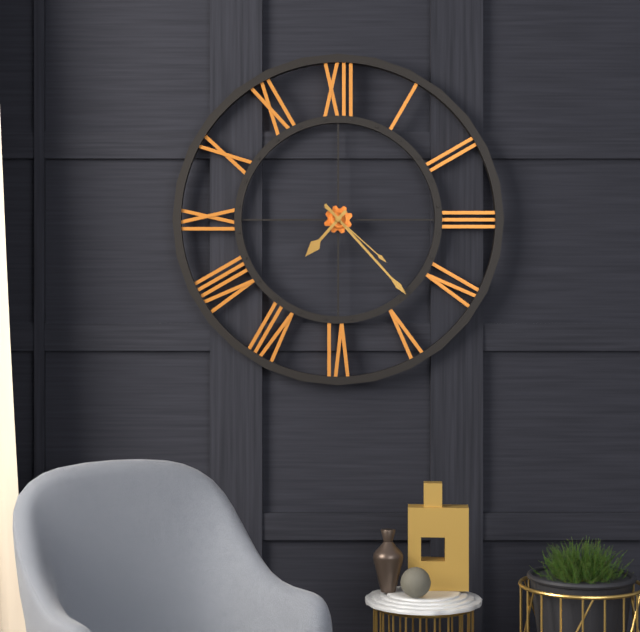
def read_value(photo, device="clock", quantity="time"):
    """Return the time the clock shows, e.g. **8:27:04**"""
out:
**7:23:22**
